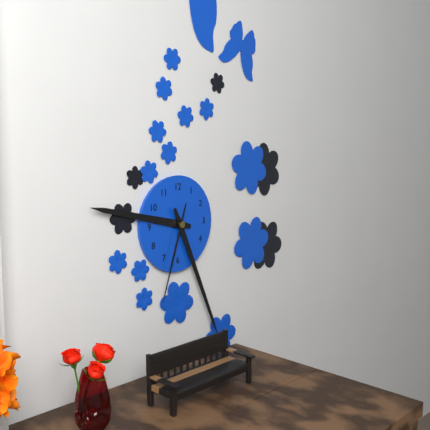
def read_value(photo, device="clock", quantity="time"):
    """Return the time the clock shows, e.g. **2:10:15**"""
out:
**9:26:33**
